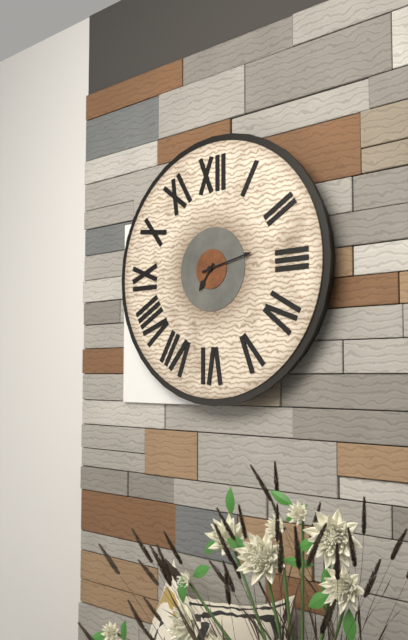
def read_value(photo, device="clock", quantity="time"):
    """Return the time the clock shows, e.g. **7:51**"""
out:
**7:13**
